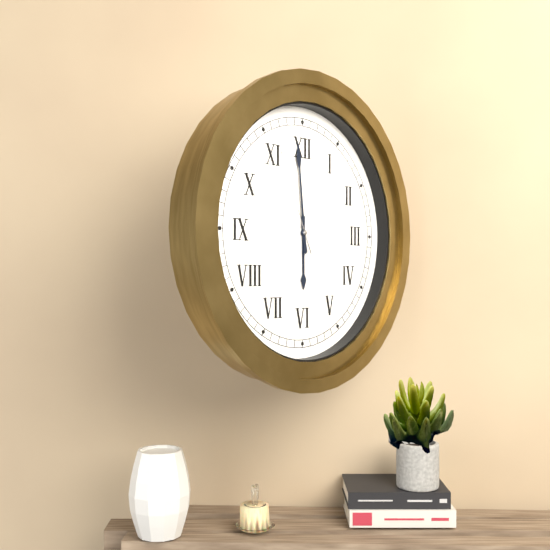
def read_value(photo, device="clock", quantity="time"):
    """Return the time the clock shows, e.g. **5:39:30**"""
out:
**5:59:56**
